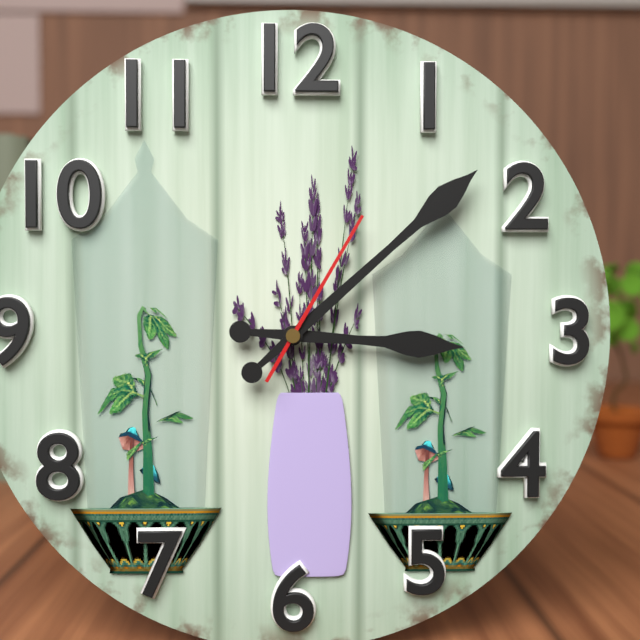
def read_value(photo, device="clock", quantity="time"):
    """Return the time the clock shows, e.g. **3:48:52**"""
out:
**3:08:05**
